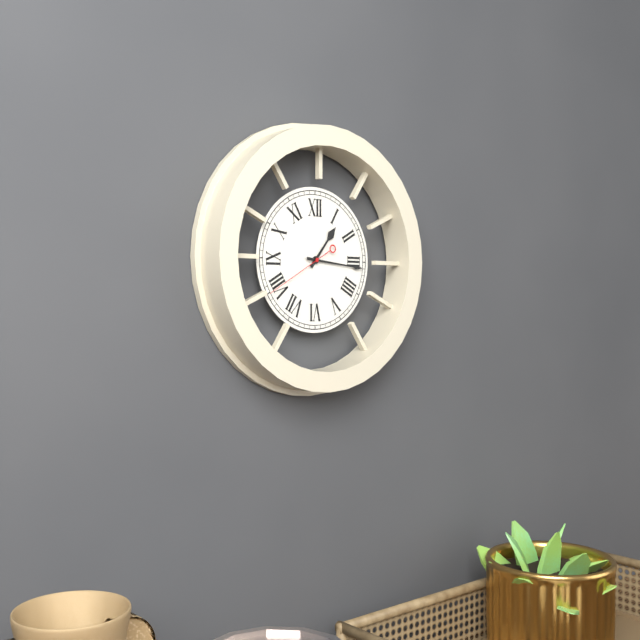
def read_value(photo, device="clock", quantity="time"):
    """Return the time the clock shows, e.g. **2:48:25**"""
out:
**1:16:40**
